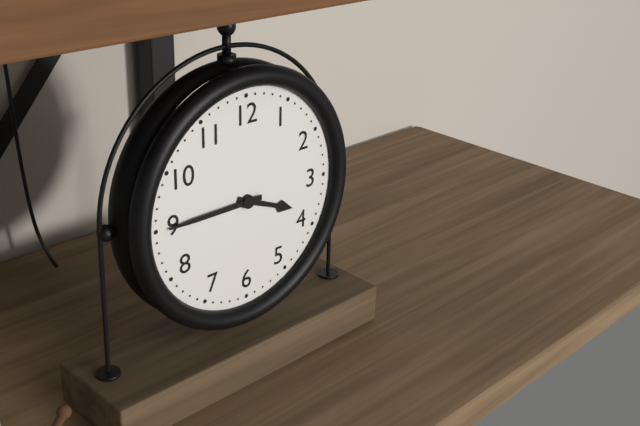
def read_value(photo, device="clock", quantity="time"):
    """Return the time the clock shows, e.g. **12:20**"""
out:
**3:45**
